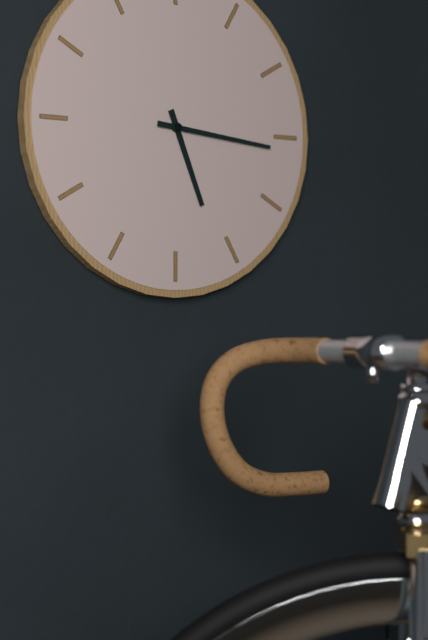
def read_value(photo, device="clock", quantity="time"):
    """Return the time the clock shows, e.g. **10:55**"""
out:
**5:16**
